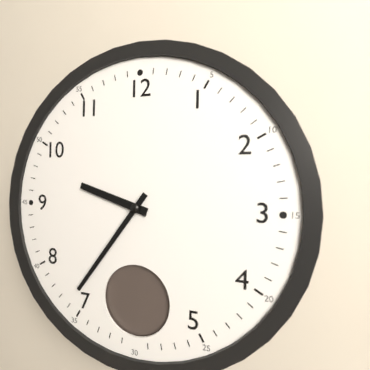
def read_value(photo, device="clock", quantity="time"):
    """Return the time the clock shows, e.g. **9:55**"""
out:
**9:36**
